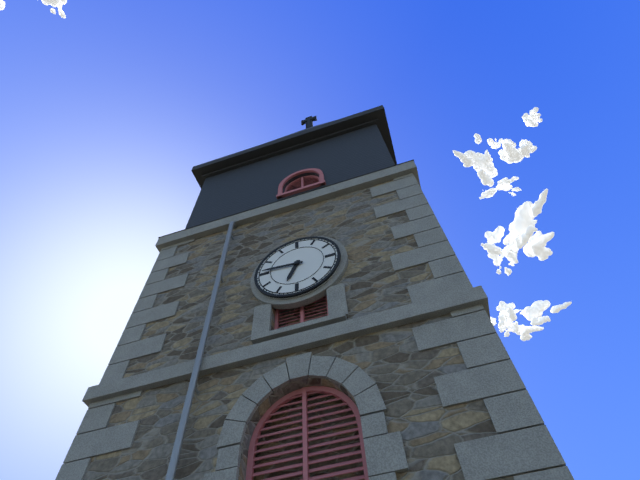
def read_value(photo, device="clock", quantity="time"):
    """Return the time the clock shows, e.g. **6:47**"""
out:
**6:46**
